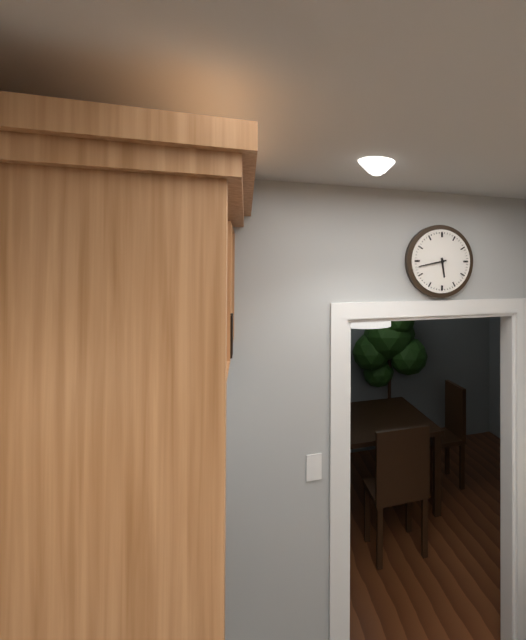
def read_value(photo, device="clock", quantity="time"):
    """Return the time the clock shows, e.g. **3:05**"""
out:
**5:43**
